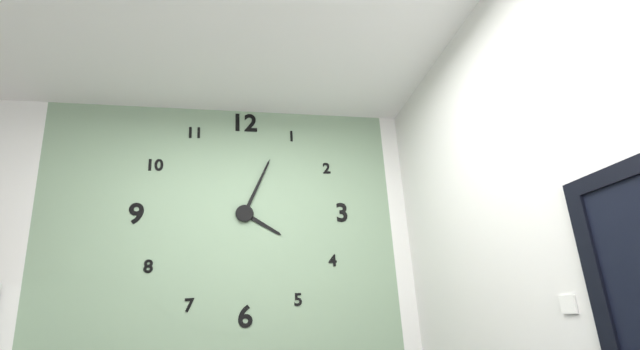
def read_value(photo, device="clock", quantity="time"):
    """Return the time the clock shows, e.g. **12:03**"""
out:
**4:04**
